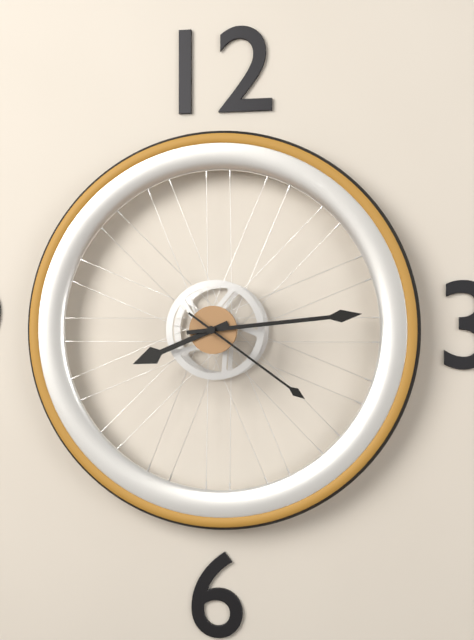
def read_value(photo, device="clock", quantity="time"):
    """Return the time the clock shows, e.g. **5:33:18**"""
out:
**8:14:21**
